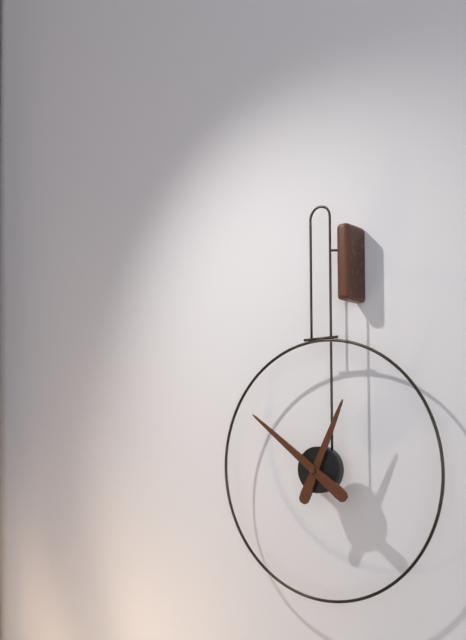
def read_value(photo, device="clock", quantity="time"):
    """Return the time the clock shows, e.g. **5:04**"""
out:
**12:51**
